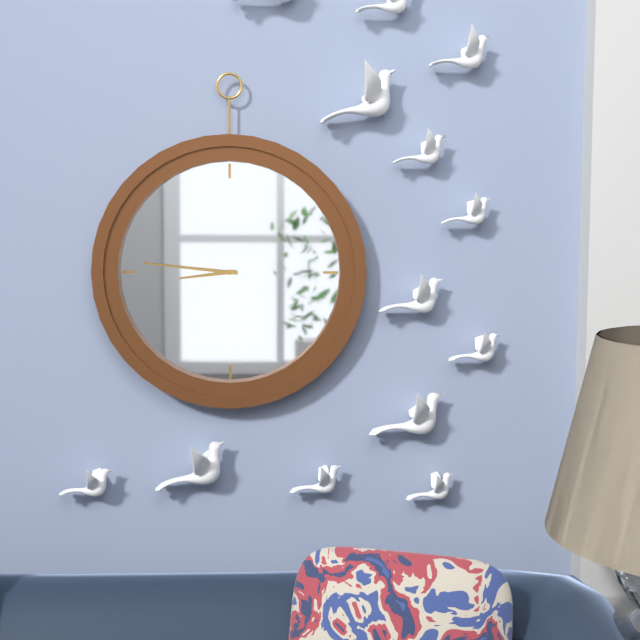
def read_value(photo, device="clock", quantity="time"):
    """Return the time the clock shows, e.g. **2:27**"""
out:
**8:46**
